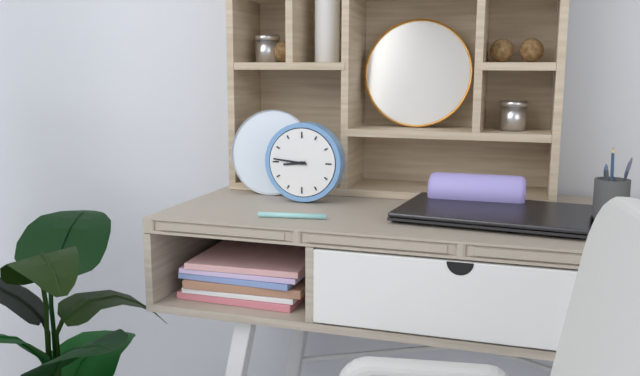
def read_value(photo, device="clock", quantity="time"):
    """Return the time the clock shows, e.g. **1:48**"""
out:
**8:46**
